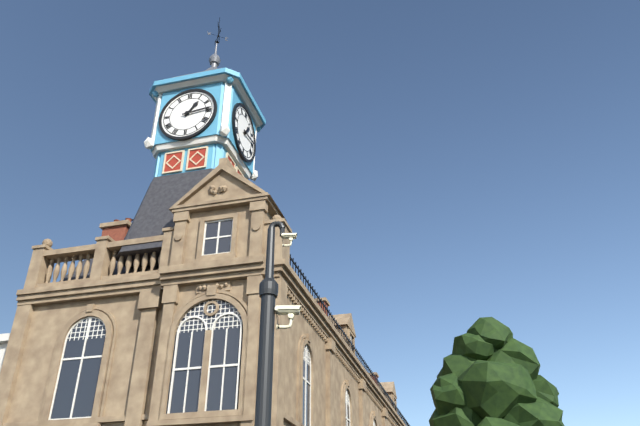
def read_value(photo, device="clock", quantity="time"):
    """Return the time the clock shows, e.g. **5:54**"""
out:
**1:14**
